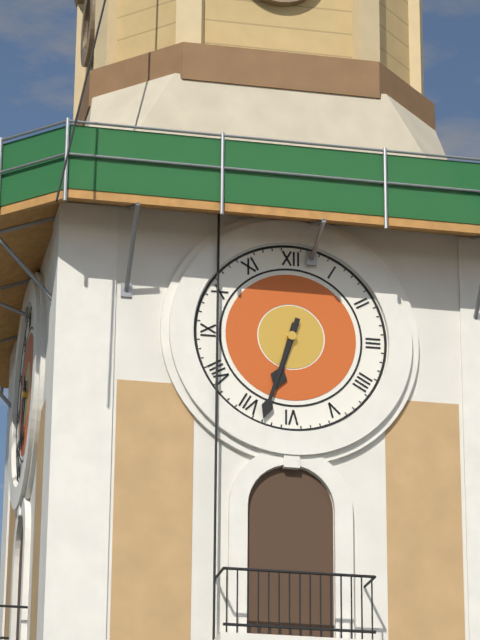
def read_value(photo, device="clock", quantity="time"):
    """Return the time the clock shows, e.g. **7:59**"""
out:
**6:33**
